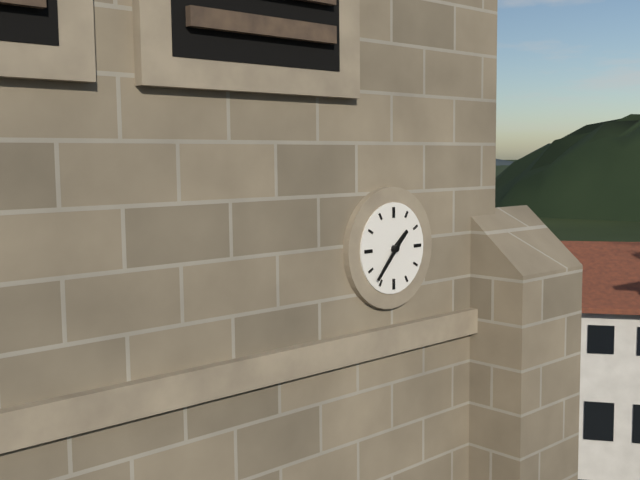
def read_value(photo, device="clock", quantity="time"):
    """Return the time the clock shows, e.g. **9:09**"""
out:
**1:37**
